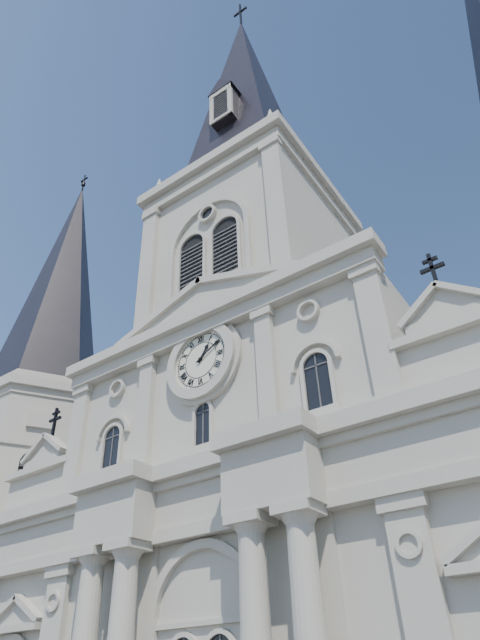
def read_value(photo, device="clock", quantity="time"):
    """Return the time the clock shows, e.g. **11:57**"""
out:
**1:10**
